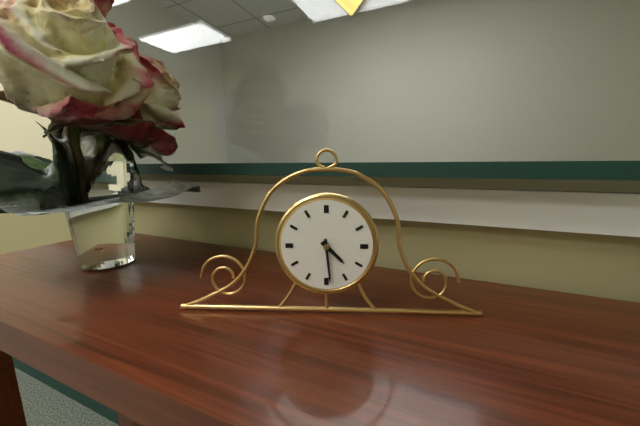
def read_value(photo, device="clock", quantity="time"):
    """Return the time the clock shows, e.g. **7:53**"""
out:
**4:29**
